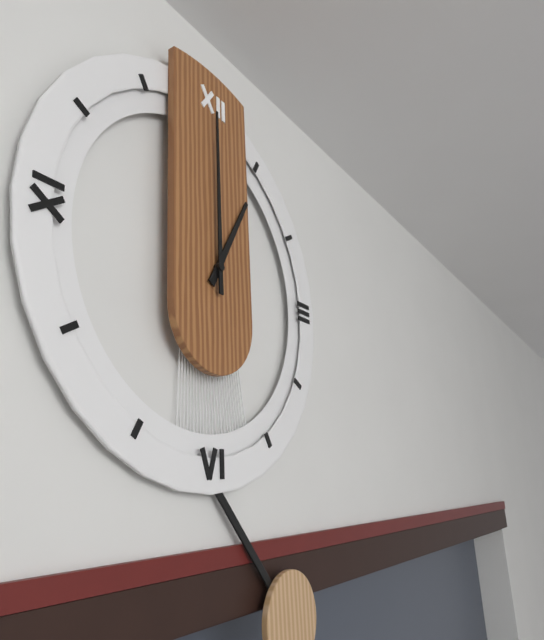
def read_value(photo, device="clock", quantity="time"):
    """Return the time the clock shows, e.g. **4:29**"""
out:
**1:00**
